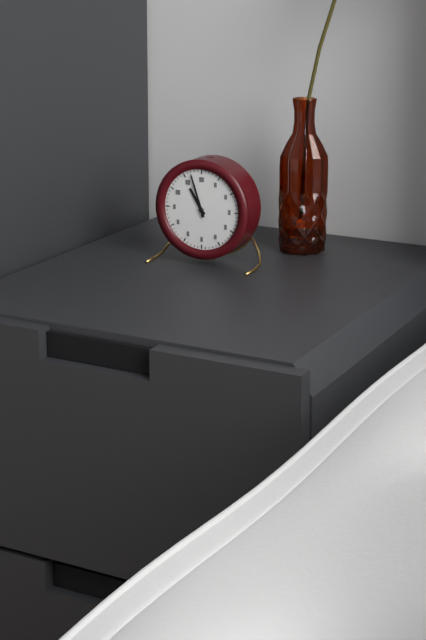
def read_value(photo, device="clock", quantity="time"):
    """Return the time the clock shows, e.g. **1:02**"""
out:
**10:57**
